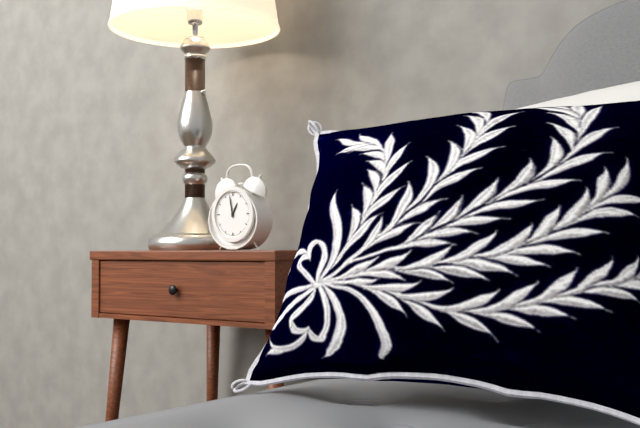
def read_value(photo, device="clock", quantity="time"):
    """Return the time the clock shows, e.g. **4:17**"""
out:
**12:58**
